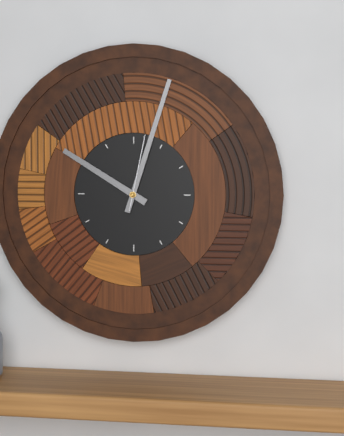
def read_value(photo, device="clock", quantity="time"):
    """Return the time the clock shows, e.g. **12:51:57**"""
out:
**10:03:02**
